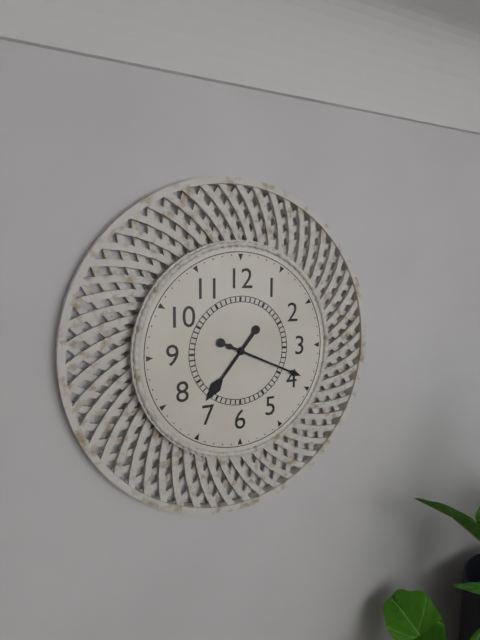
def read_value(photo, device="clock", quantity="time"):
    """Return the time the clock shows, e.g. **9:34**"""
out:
**7:19**
